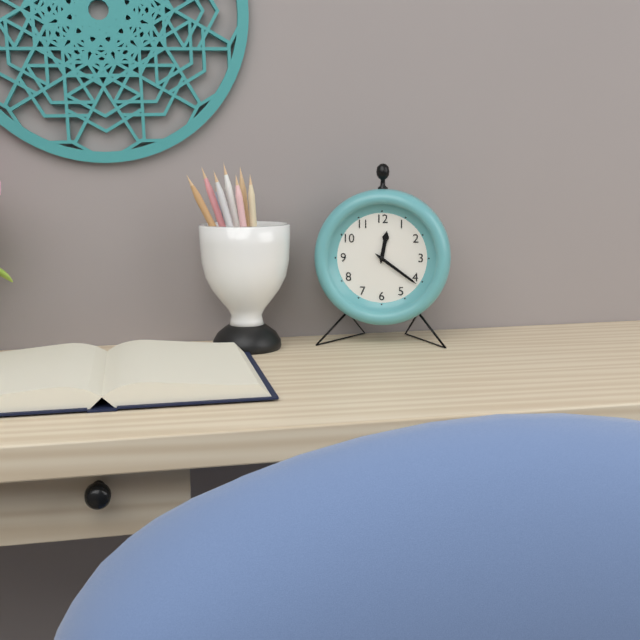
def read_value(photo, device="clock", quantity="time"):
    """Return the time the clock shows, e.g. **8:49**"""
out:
**12:21**
